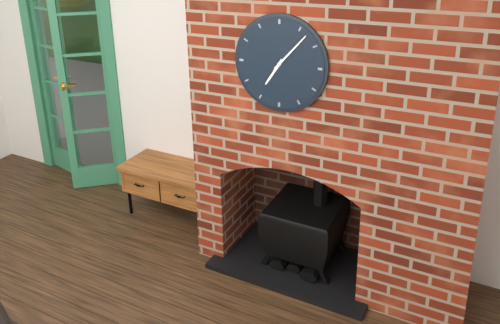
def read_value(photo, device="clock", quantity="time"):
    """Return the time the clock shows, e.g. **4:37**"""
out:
**7:07**
